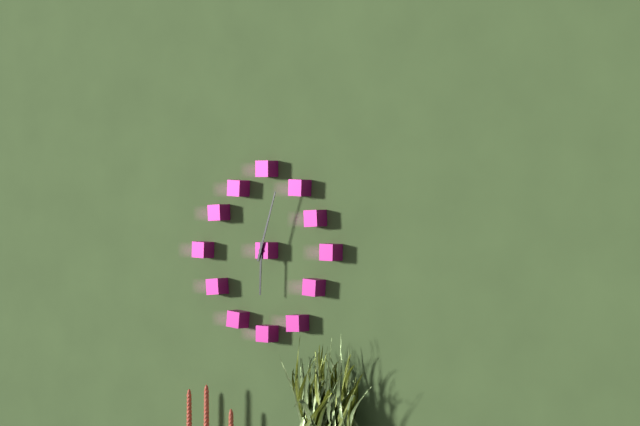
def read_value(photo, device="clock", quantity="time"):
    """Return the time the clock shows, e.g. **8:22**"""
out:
**6:03**
